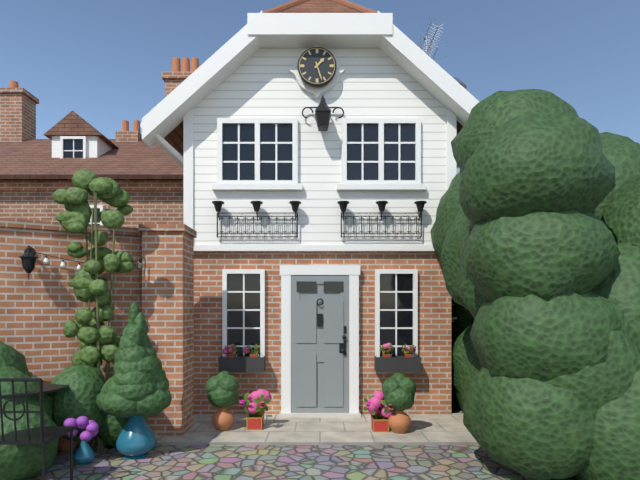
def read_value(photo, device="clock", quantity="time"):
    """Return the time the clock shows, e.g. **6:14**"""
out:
**1:27**
